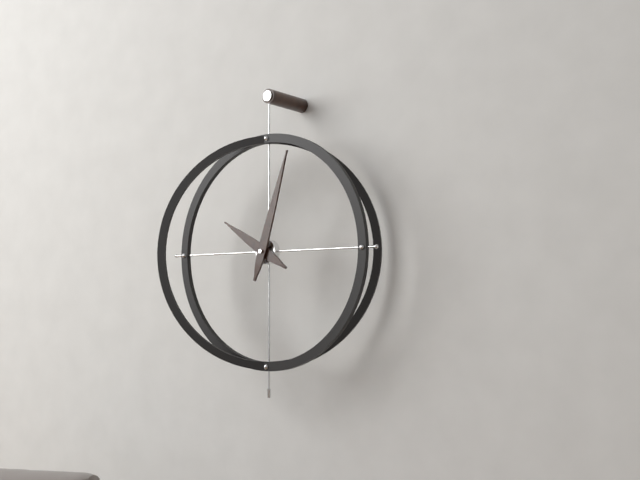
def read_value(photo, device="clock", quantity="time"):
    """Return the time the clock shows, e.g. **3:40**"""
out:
**10:03**
